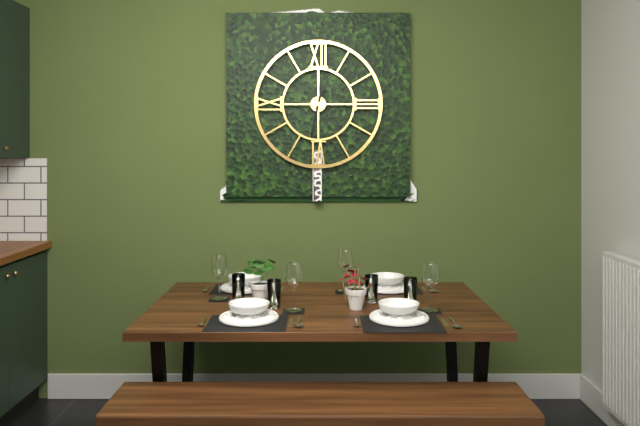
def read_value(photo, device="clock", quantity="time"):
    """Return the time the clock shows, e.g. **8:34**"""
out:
**12:32**
